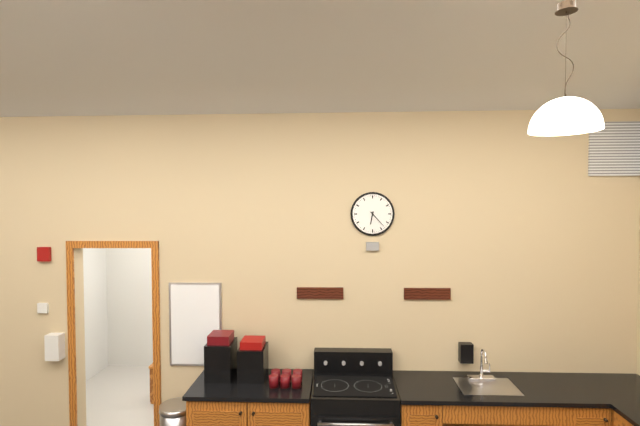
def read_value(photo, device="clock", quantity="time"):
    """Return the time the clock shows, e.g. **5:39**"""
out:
**6:23**
